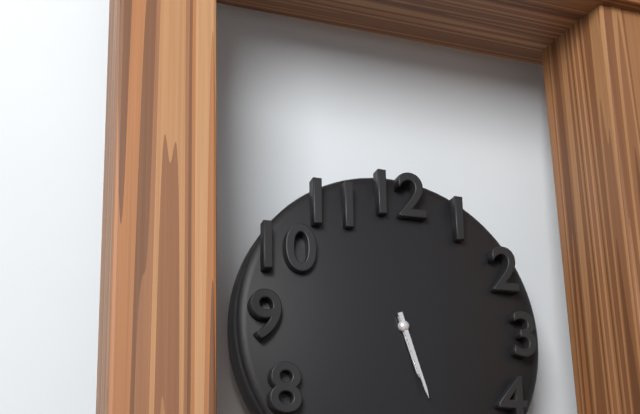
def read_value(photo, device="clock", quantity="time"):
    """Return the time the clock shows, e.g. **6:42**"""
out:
**5:27**
